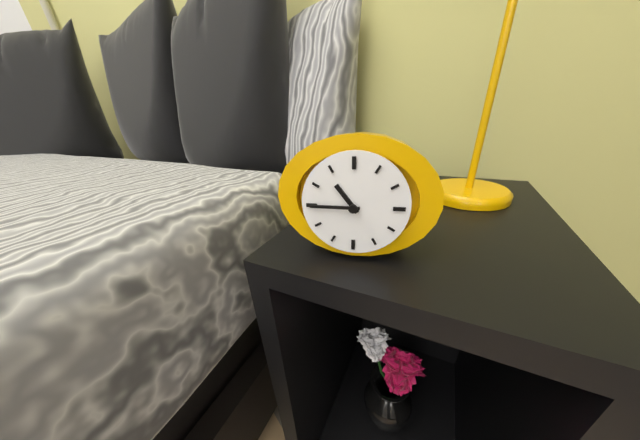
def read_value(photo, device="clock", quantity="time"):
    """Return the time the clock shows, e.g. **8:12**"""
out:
**10:45**
